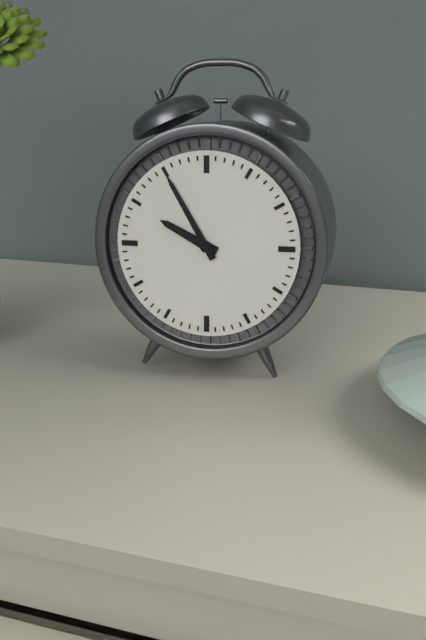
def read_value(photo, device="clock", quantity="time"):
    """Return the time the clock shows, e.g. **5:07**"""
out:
**9:55**
